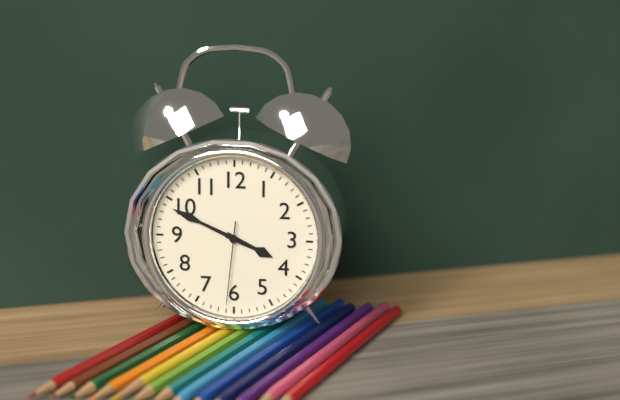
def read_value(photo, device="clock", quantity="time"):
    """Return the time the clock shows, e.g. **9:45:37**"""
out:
**3:49:31**
